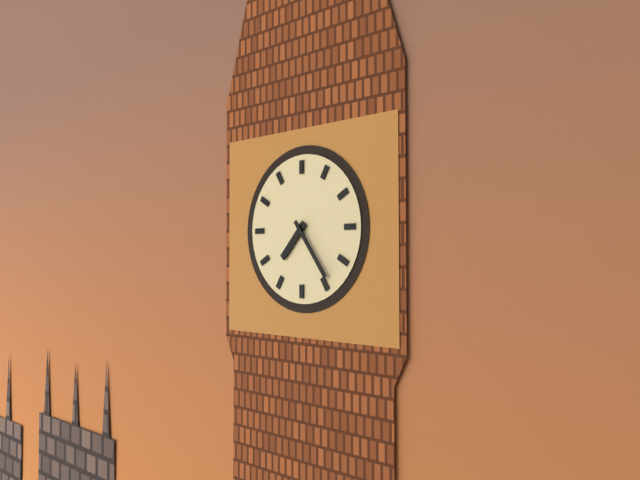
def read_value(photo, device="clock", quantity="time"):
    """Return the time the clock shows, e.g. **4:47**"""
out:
**7:24**
